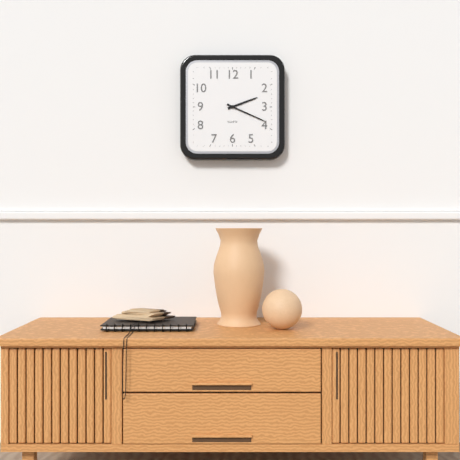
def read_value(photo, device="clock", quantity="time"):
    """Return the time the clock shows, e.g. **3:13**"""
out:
**2:19**
